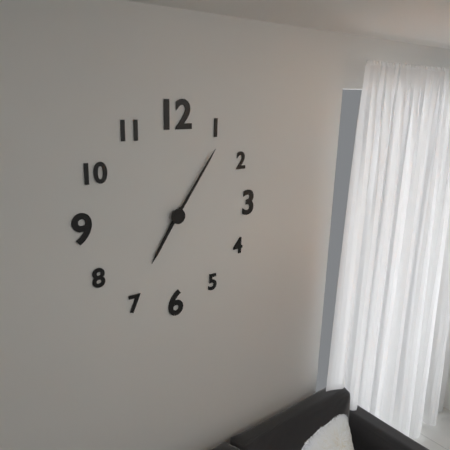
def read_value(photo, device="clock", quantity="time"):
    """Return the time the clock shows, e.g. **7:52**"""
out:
**7:06**
